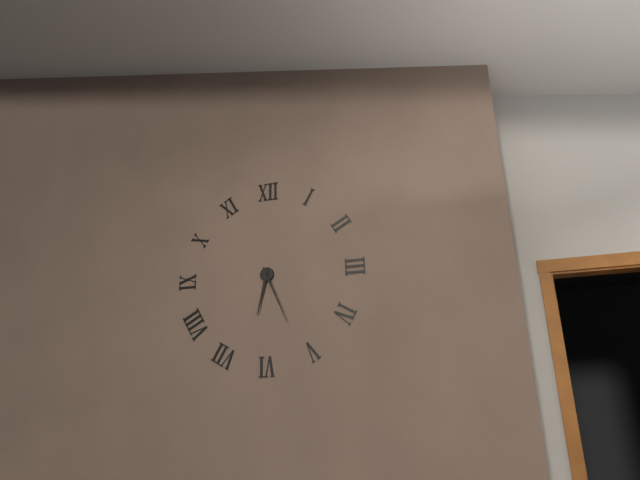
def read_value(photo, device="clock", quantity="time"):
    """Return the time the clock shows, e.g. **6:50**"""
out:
**6:26**
